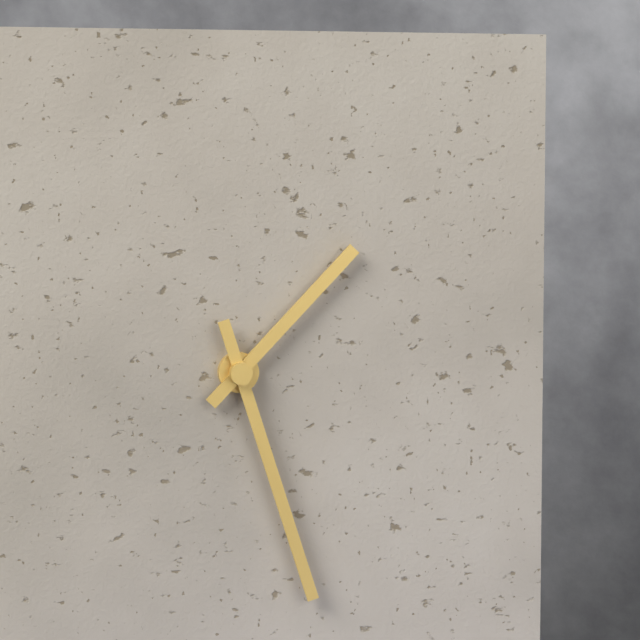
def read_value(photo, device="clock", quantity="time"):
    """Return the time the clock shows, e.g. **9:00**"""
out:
**1:27**
